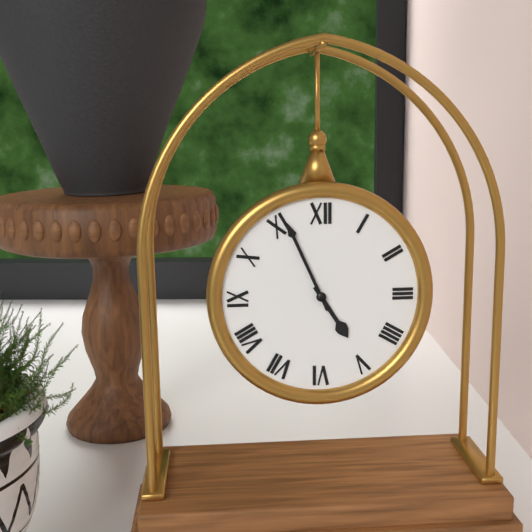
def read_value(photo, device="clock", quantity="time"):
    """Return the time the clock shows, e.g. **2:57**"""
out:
**4:56**
